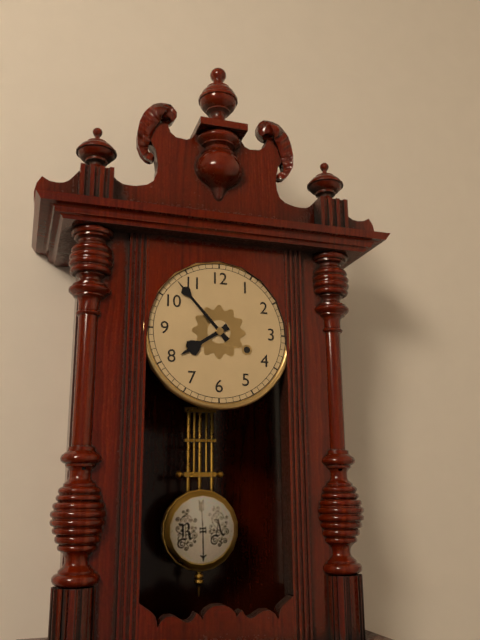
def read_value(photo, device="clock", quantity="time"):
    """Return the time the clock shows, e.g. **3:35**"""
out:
**7:53**
